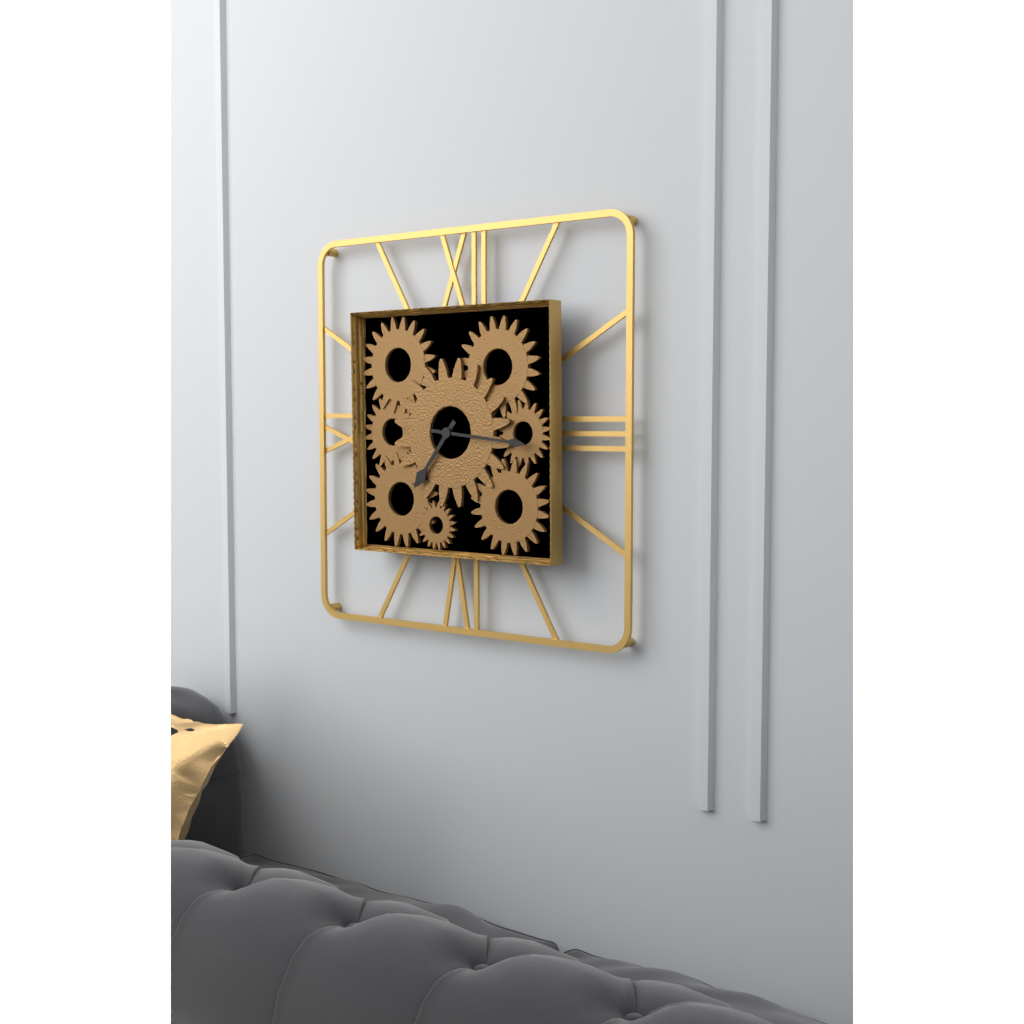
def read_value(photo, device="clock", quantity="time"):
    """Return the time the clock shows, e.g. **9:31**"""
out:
**7:16**
